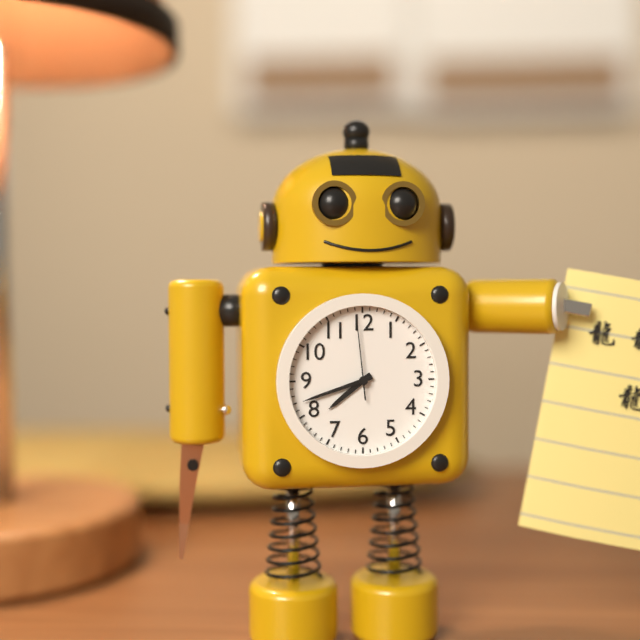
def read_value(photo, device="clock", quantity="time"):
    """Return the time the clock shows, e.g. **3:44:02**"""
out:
**7:42:59**
